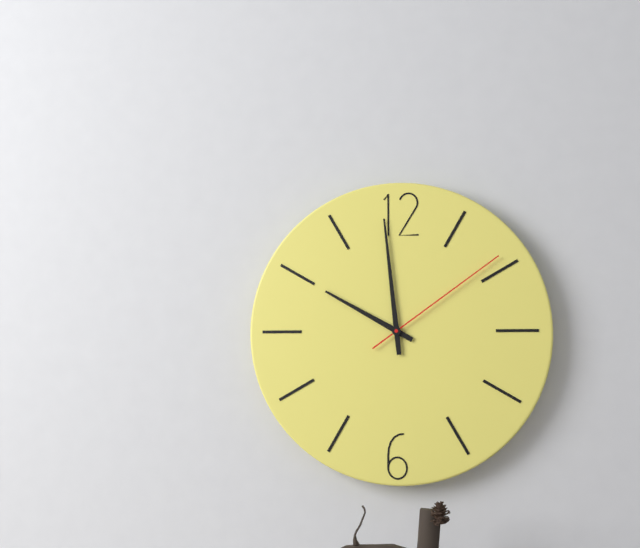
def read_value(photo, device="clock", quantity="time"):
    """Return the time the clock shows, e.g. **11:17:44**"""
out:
**9:59:09**
